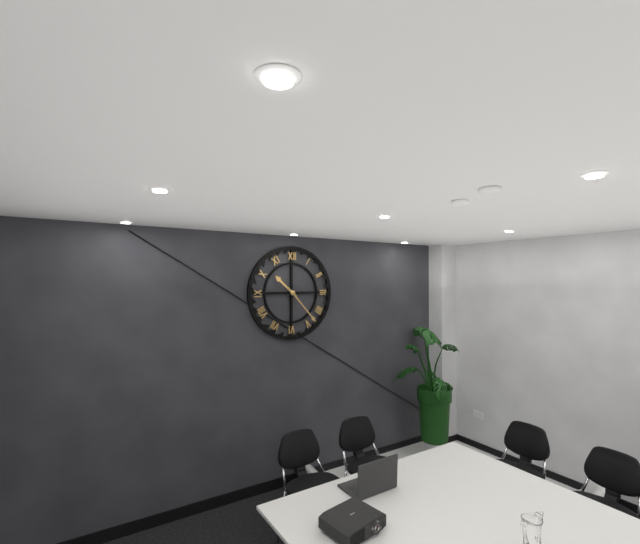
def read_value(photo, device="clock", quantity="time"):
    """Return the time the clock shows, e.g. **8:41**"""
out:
**10:23**
